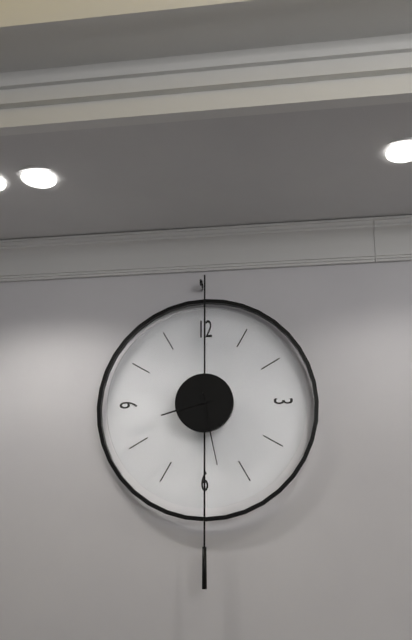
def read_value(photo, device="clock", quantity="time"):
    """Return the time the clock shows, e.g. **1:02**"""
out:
**8:28**
